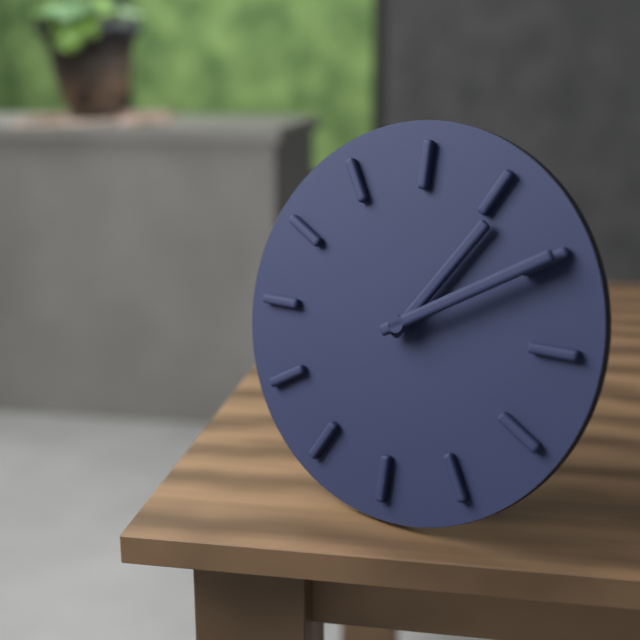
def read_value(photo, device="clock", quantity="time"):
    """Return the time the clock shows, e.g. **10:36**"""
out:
**1:10**
